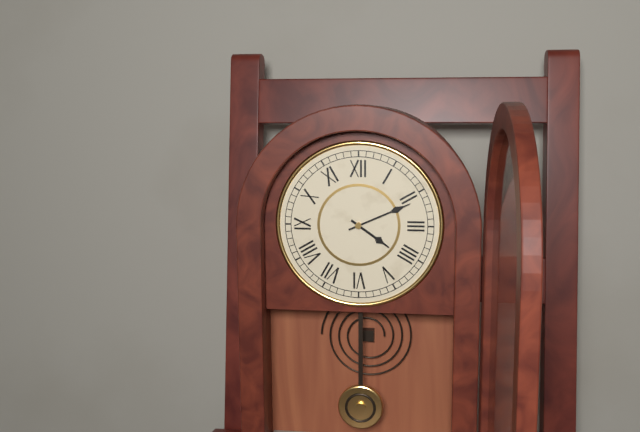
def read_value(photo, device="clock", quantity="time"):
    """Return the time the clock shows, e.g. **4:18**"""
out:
**4:11**
